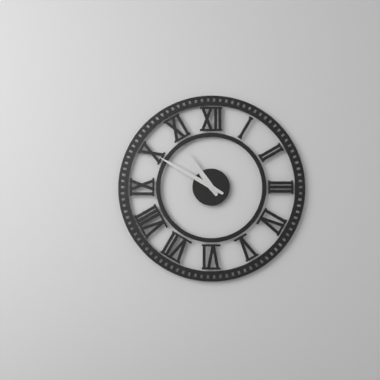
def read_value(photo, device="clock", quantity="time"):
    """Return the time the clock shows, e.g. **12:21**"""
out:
**10:50**
